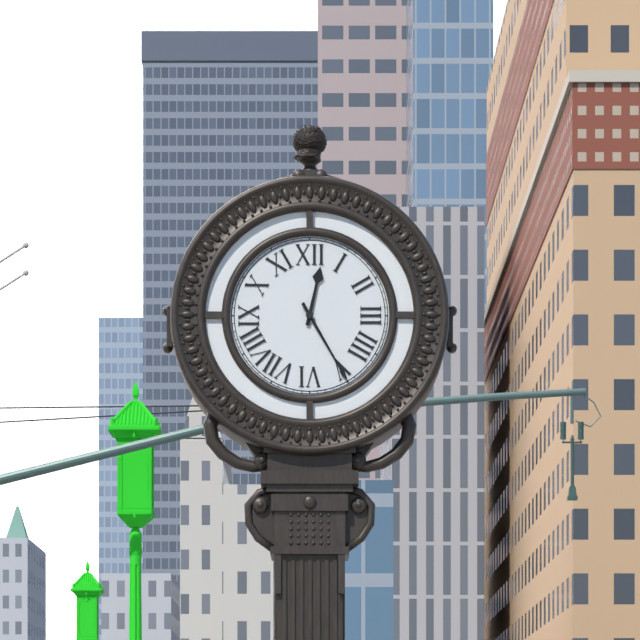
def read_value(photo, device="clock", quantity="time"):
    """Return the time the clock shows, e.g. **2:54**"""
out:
**12:25**
